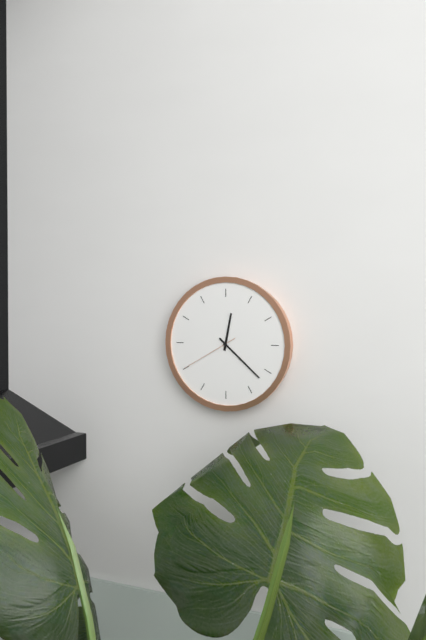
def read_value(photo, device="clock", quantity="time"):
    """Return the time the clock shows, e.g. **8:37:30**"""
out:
**12:22:40**
